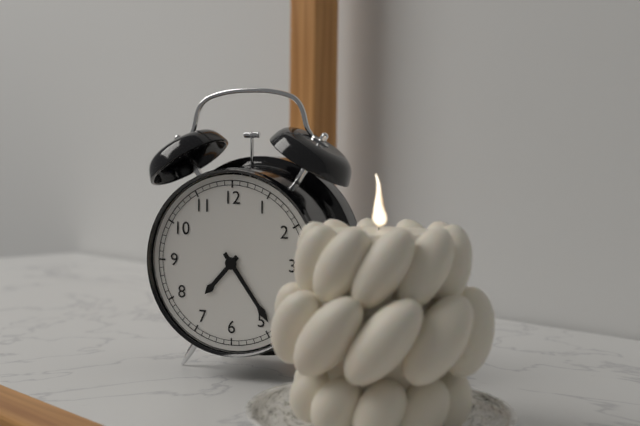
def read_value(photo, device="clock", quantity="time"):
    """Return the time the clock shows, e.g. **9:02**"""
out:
**7:24**
